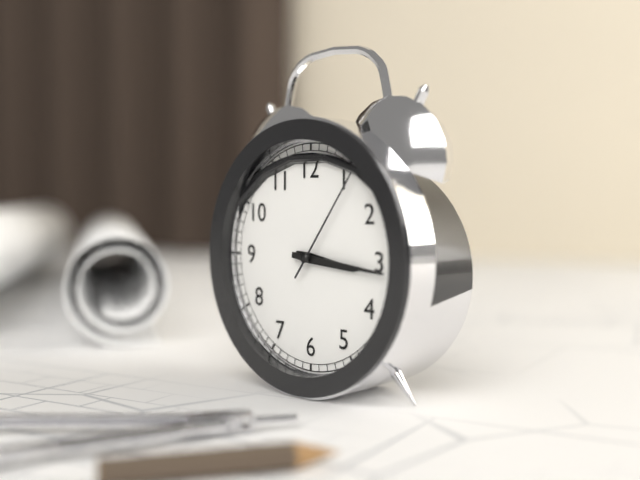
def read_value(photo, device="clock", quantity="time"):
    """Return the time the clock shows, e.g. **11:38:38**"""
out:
**3:16:06**
